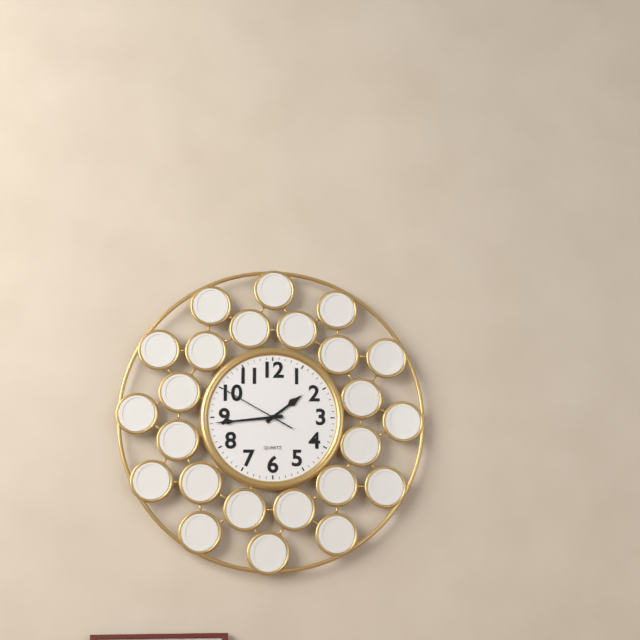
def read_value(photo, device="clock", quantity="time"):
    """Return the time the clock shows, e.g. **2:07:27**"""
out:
**1:44:50**
